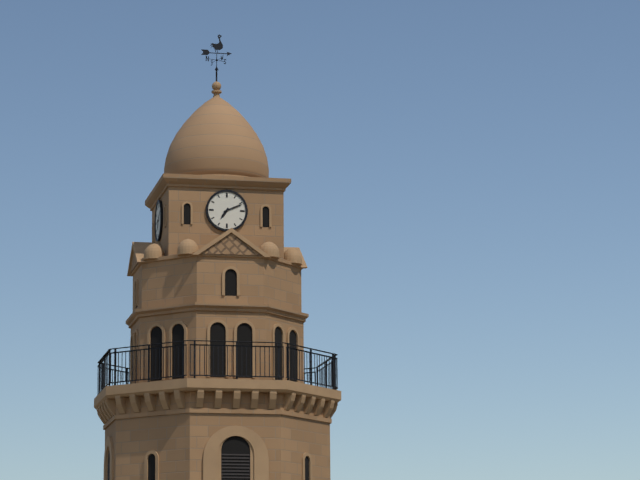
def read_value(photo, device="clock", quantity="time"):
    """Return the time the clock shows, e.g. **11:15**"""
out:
**7:11**
